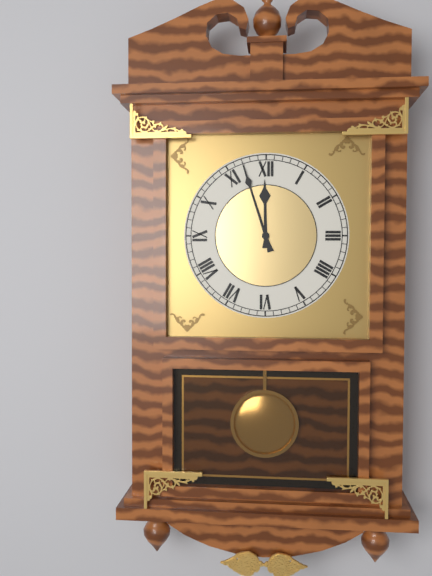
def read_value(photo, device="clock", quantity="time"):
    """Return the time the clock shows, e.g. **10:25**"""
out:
**11:57**
